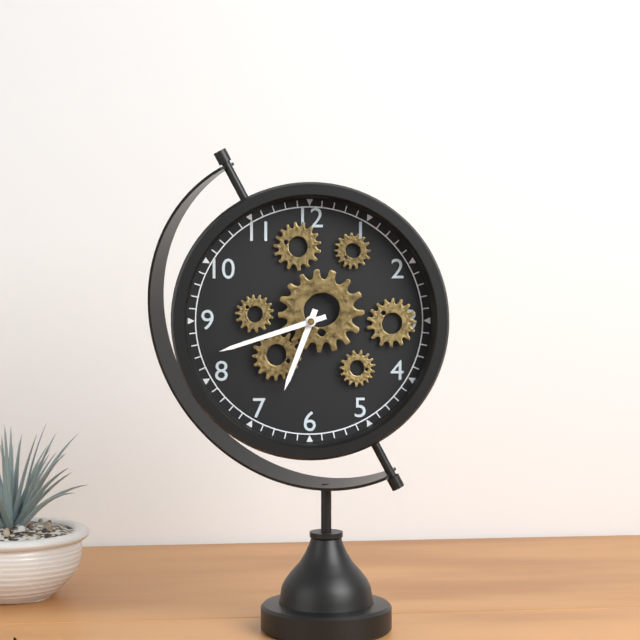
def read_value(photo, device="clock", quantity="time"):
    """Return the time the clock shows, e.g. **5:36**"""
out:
**6:42**
